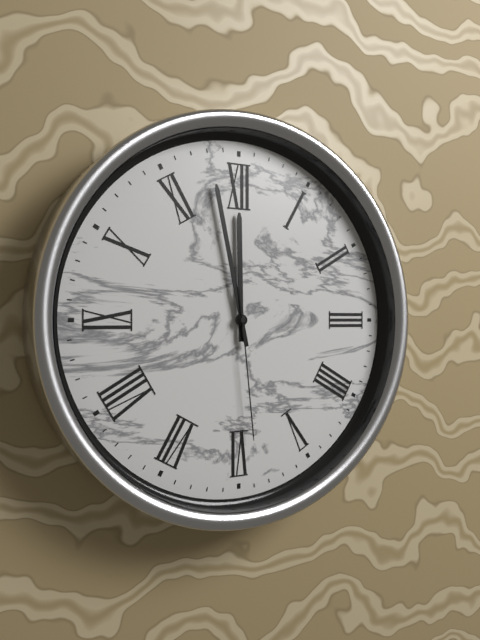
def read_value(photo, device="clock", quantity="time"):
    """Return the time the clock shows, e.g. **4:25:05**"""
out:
**11:58:29**
